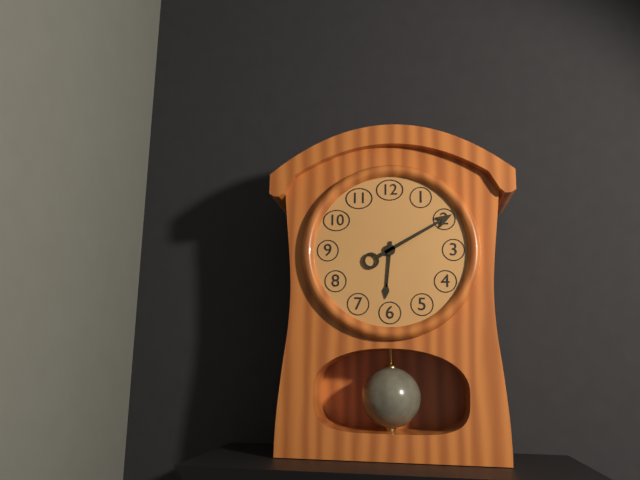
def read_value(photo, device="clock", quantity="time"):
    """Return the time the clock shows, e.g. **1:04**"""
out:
**6:10**
